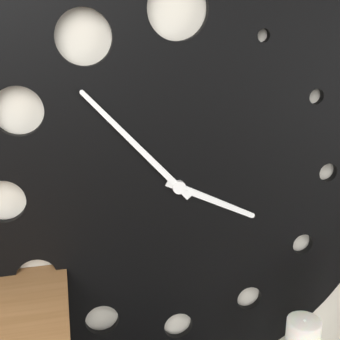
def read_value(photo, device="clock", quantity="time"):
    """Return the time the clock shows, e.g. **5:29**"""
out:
**3:53**
